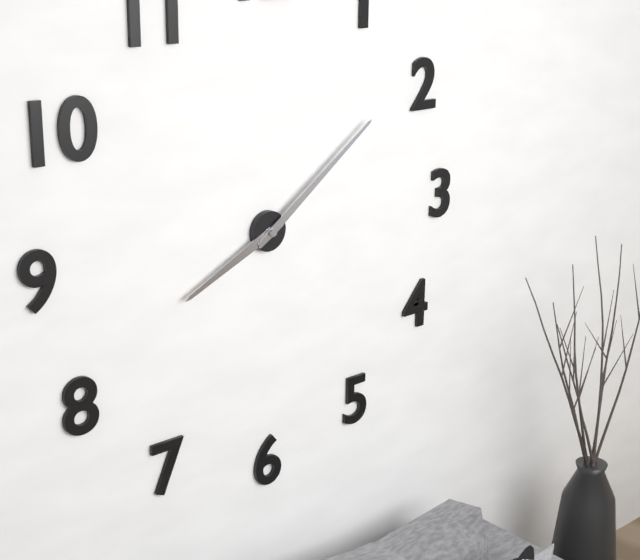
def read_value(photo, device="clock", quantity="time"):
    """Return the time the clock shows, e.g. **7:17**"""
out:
**8:09**
